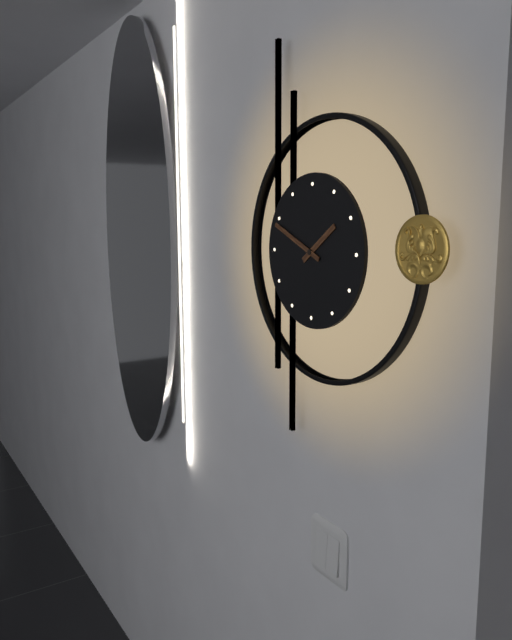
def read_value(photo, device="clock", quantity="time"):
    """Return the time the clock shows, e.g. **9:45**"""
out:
**1:49**
